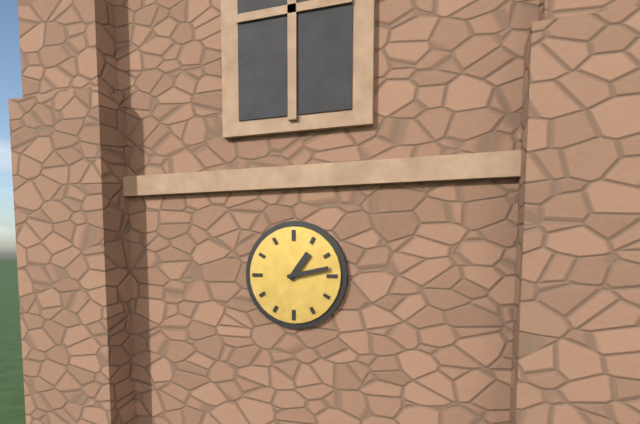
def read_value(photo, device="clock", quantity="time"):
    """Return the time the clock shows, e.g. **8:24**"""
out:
**1:13**
